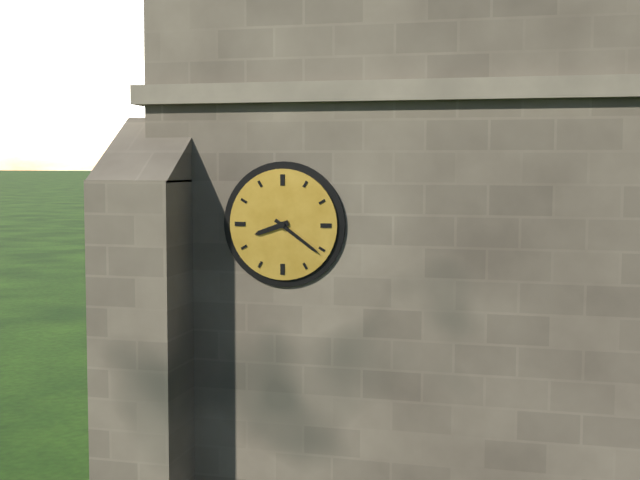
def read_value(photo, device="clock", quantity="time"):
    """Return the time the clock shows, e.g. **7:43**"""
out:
**8:21**
